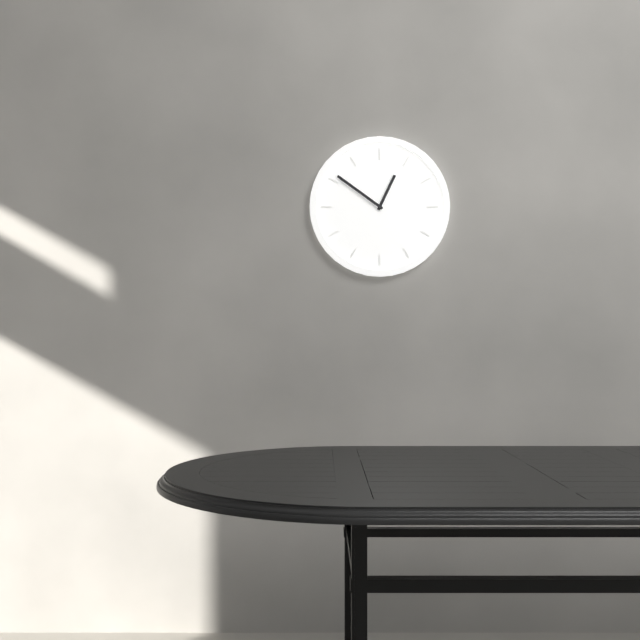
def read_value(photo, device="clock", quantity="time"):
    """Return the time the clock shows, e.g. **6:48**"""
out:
**12:51**
